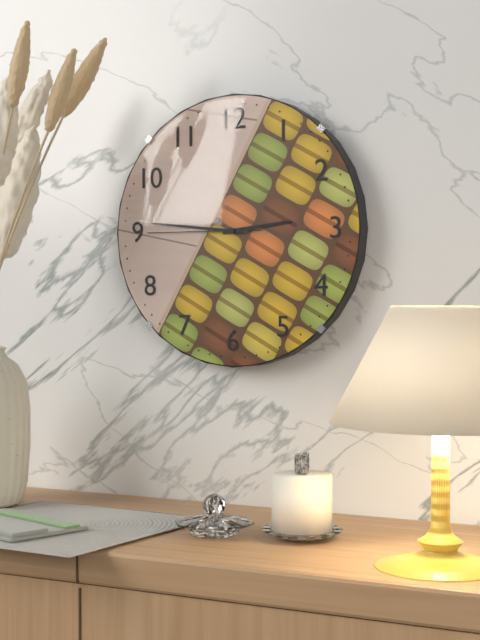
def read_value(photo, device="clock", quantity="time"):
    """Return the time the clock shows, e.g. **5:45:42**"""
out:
**2:46:45**
